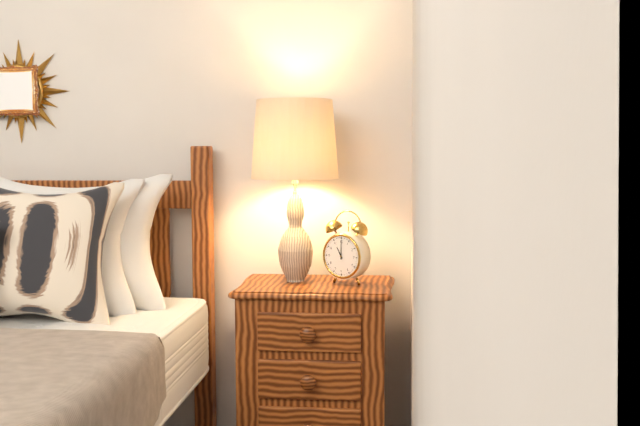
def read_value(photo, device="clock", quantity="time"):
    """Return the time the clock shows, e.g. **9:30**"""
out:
**11:00**
